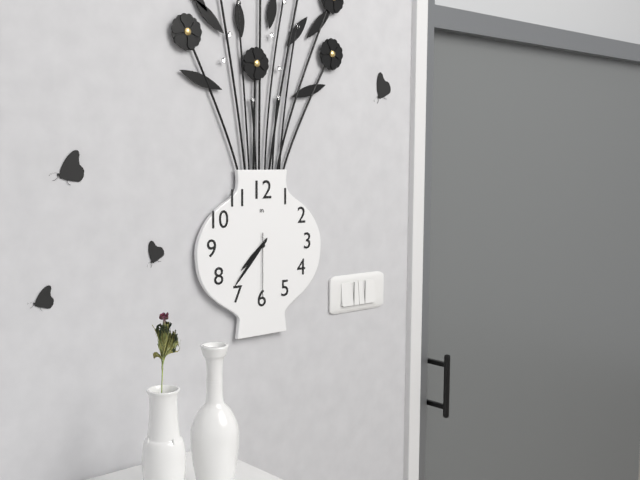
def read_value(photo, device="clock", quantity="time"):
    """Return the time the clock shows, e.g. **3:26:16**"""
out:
**7:37:30**
